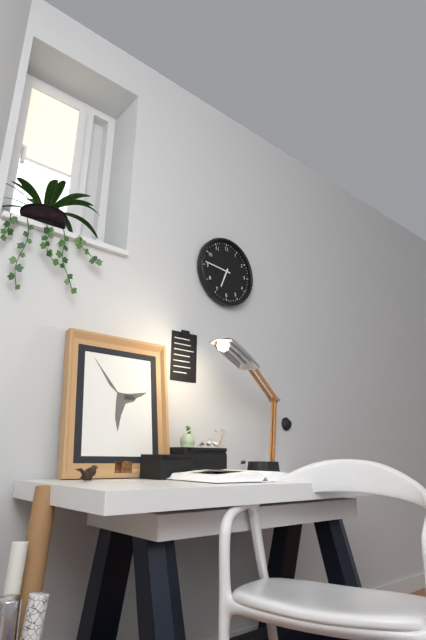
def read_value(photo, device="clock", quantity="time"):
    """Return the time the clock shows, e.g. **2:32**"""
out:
**6:46**
